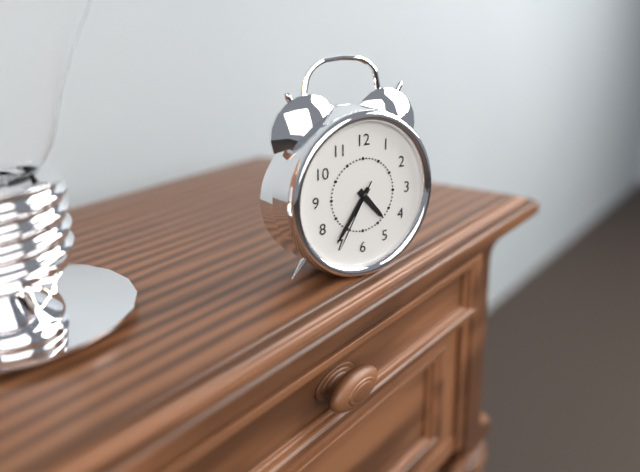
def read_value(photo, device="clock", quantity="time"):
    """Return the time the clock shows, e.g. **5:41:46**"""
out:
**4:36:35**
